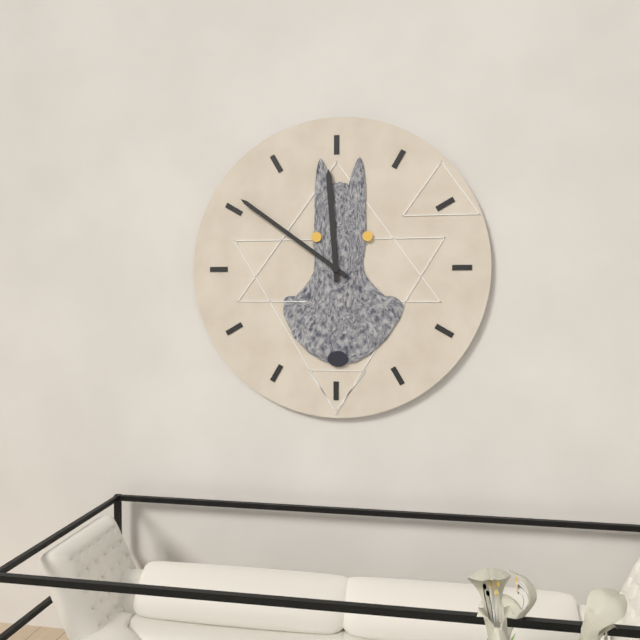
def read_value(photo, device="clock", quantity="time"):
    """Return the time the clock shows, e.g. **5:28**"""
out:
**11:51**
